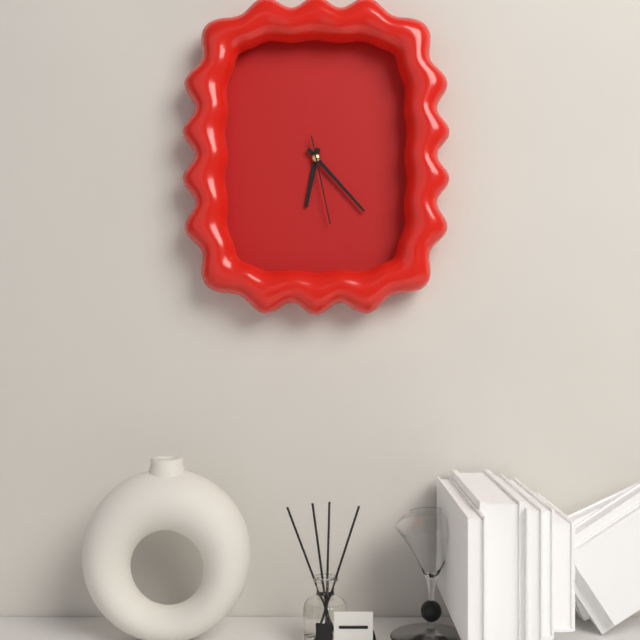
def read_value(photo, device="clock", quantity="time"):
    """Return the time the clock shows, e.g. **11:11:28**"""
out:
**6:23:28**
